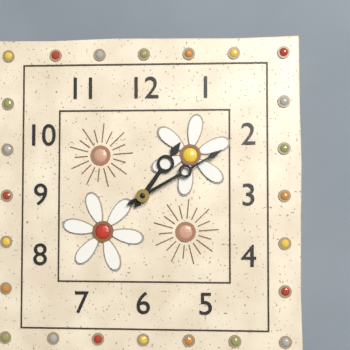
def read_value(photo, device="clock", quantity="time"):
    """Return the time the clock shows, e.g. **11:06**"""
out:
**1:10**
